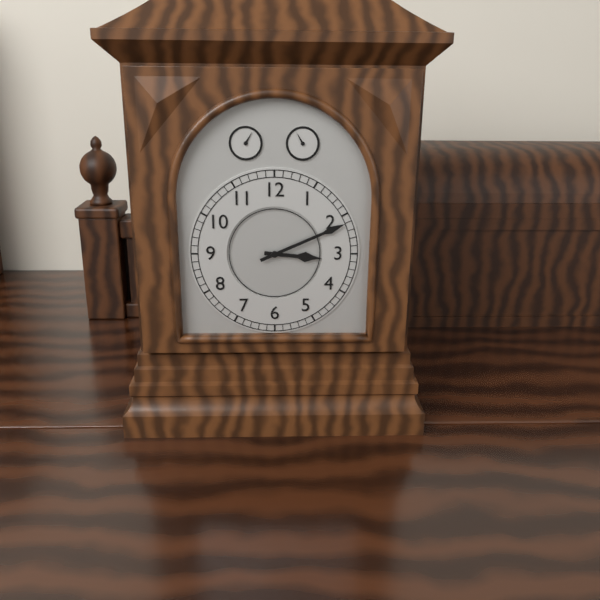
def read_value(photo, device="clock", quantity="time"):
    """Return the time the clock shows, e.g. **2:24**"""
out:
**3:11**
